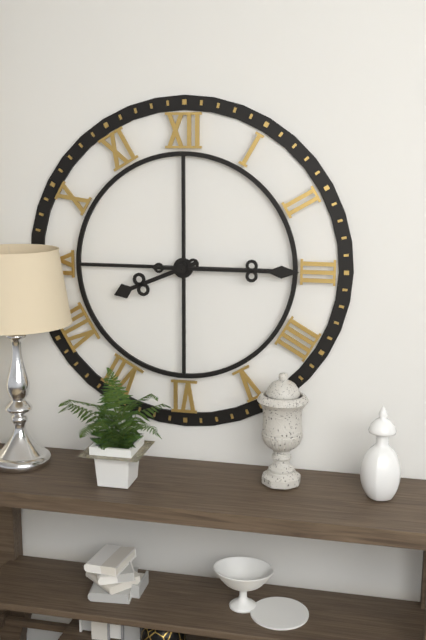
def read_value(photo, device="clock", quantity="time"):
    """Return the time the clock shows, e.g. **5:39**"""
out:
**8:15**
